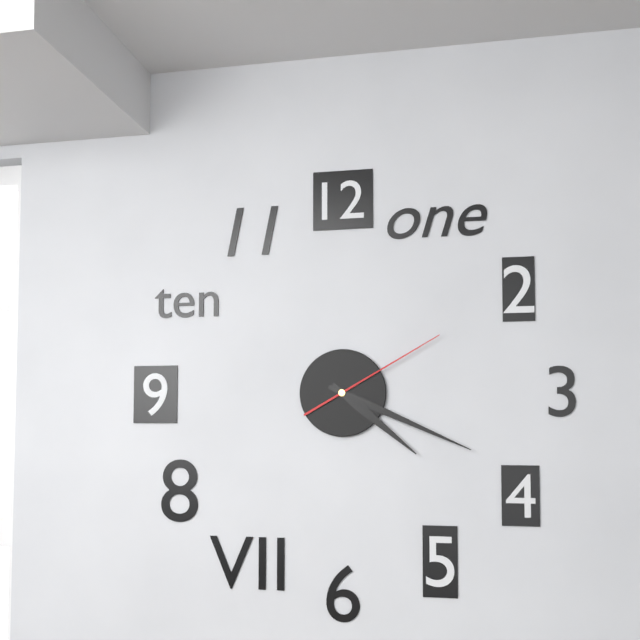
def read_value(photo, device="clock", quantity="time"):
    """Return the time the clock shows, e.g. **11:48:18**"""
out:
**4:19:10**
